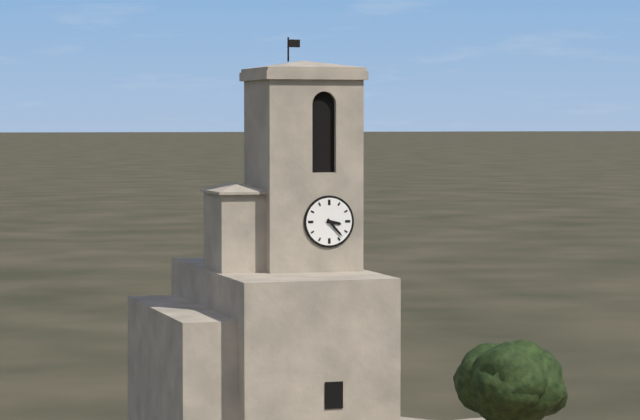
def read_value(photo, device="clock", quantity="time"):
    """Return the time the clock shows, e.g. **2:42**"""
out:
**3:23**
